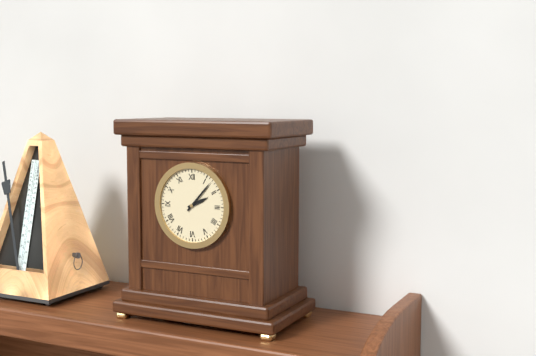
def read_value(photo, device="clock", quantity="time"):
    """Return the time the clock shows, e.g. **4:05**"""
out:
**2:07**
